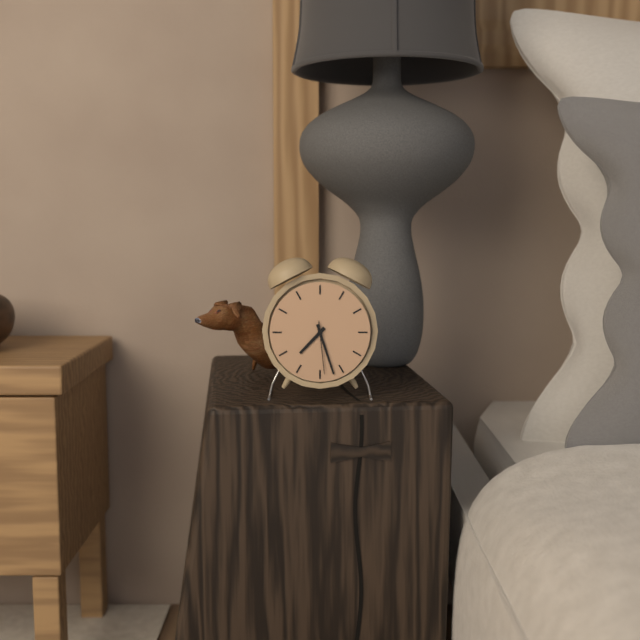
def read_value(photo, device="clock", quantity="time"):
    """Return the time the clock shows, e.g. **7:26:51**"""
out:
**7:27:29**
